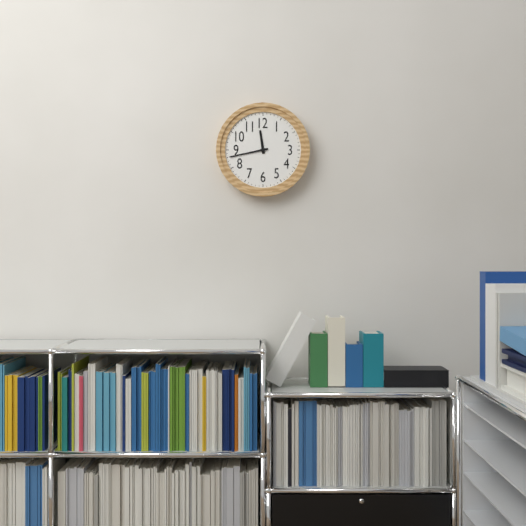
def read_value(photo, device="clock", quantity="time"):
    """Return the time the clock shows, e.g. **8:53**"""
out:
**11:43**
